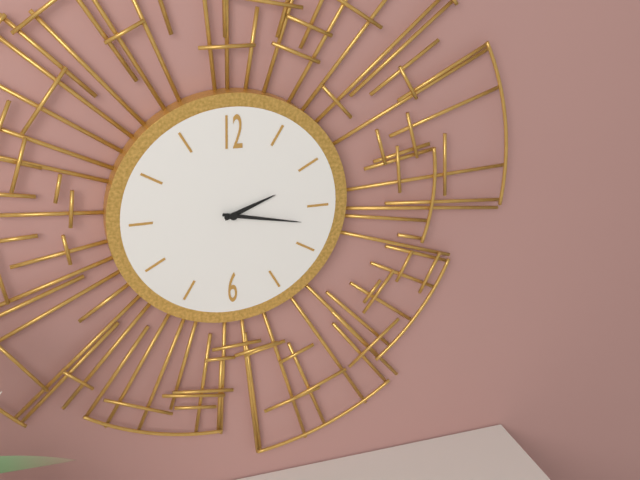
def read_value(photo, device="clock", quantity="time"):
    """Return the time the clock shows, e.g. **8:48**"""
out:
**2:17**
